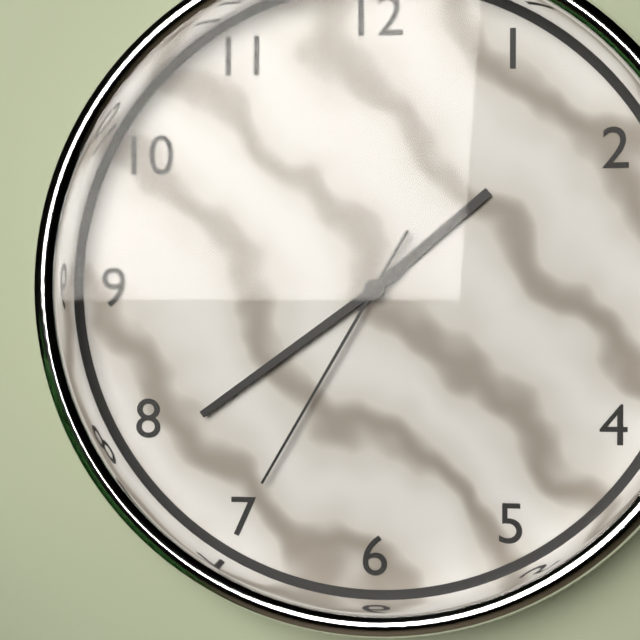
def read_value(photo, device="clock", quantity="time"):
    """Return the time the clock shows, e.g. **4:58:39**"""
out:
**1:39:35**
